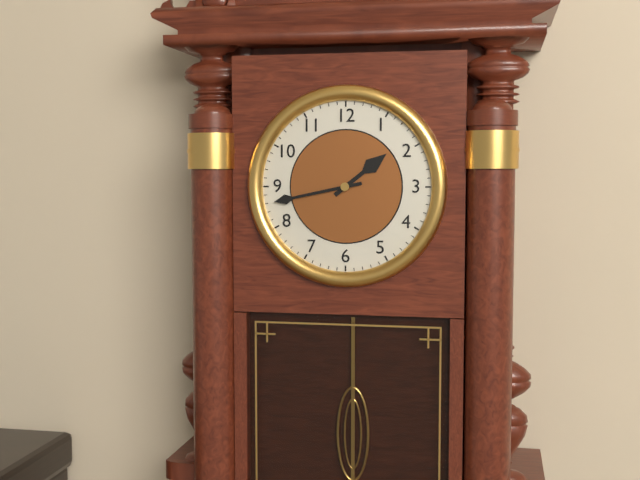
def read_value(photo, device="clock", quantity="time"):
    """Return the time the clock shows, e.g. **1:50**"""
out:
**1:43**
